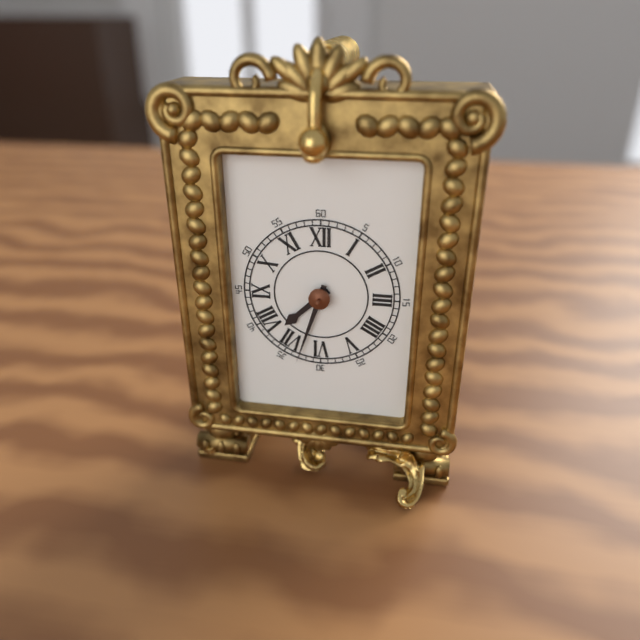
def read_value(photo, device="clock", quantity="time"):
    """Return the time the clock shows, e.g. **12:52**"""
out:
**7:33**
